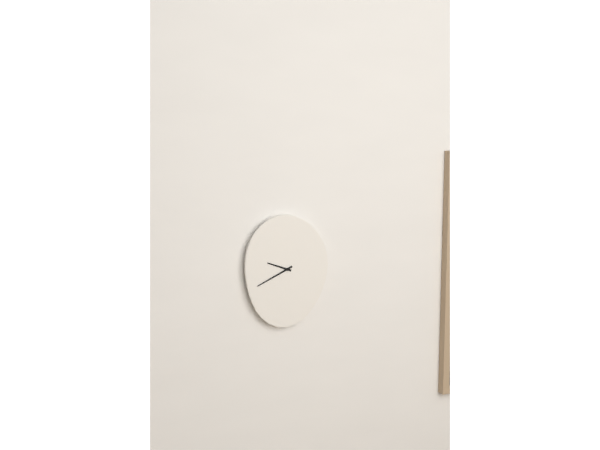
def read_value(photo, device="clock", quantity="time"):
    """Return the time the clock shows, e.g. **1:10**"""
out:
**9:41**
